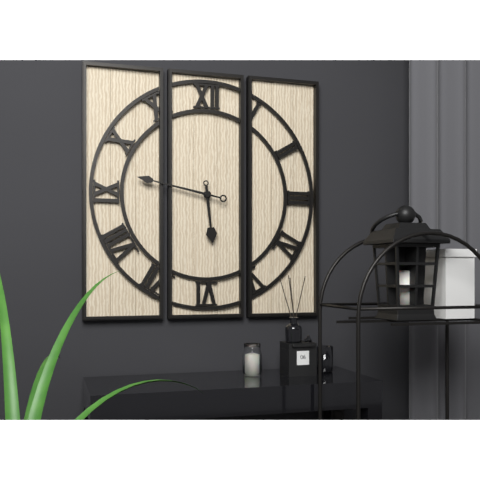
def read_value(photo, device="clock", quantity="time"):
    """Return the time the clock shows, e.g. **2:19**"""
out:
**5:47**
